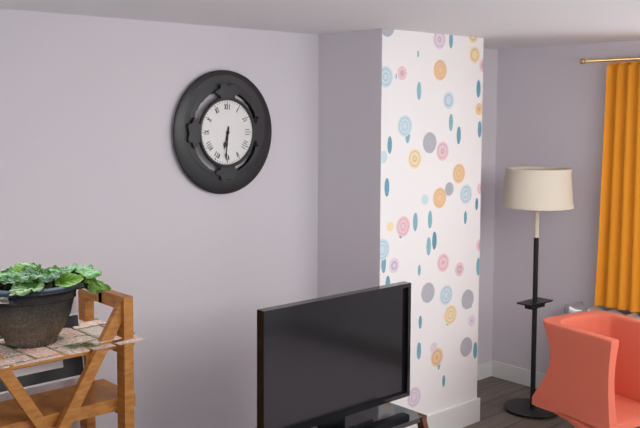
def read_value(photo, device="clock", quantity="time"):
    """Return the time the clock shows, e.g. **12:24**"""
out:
**6:31**
